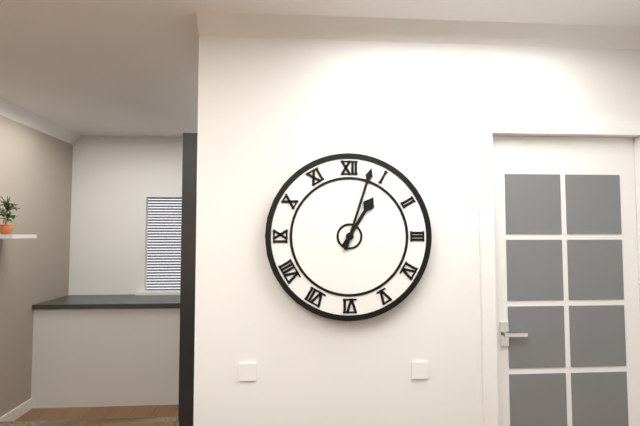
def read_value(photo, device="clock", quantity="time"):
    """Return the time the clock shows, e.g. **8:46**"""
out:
**1:03**
